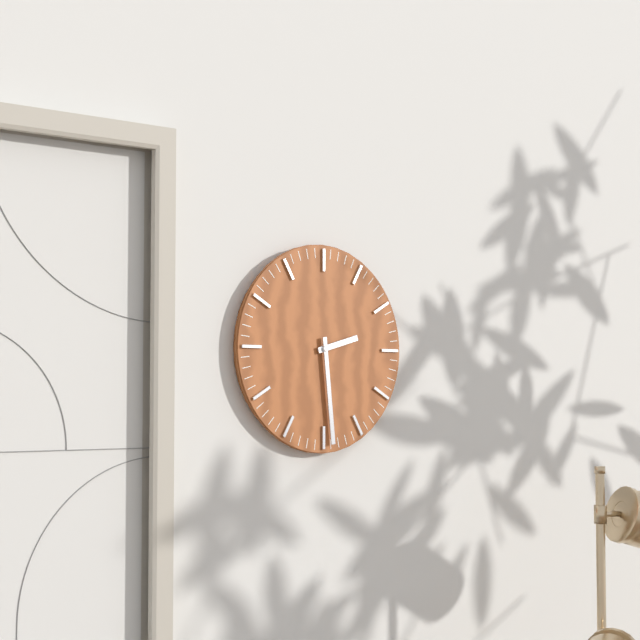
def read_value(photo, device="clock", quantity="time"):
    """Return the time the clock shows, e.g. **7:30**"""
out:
**2:29**
